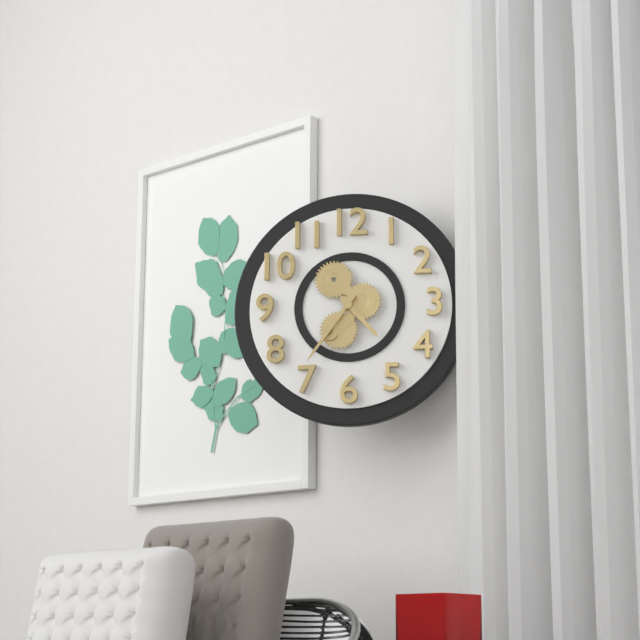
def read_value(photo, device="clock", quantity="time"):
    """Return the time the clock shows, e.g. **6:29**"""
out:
**4:36**
